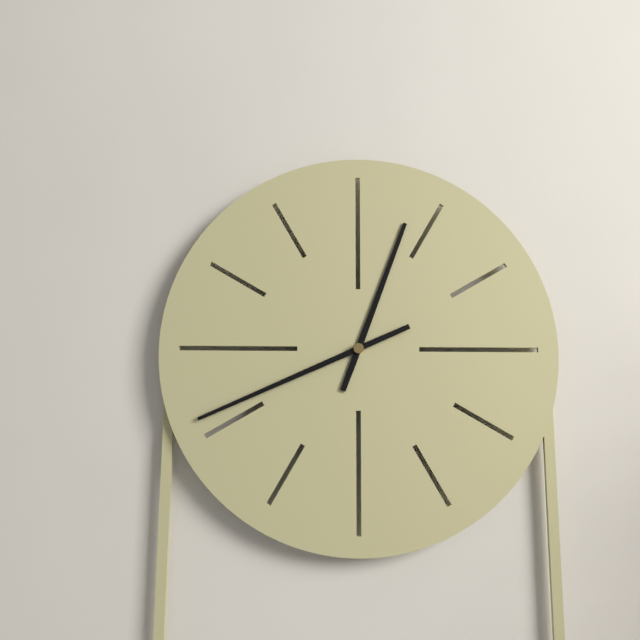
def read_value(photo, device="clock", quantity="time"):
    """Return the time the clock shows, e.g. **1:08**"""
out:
**12:41**
